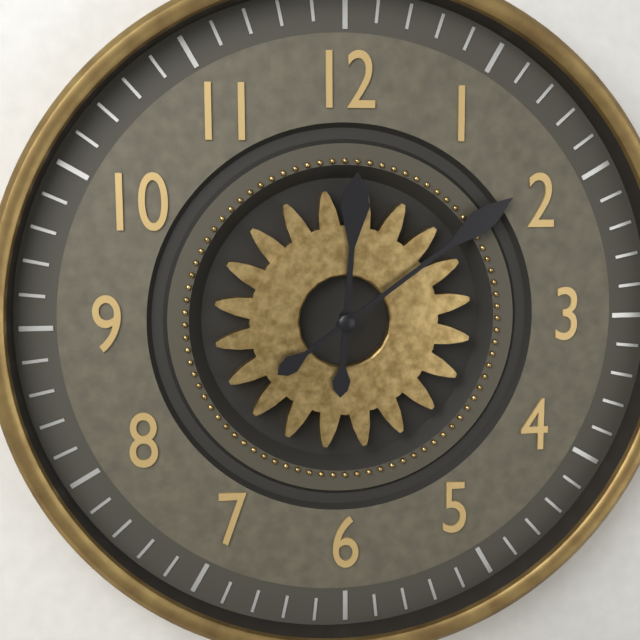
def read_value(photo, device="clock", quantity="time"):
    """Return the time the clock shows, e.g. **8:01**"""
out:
**12:09**
